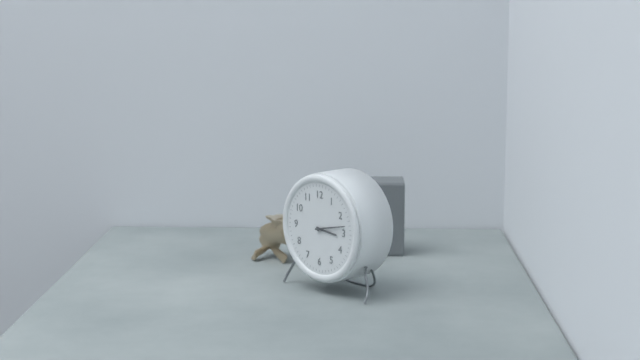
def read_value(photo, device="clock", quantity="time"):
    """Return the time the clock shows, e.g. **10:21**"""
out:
**3:13**
